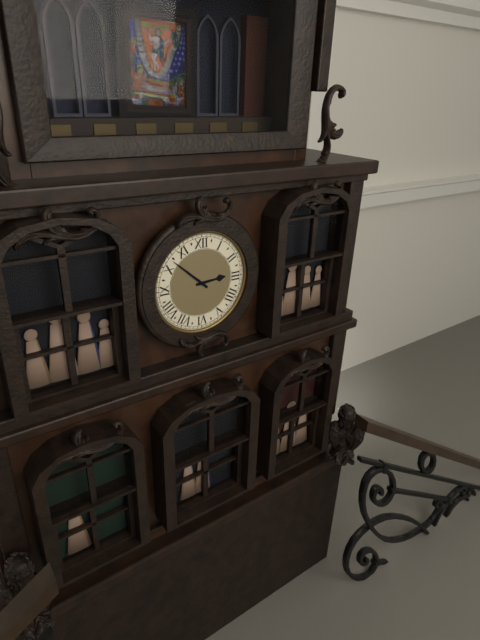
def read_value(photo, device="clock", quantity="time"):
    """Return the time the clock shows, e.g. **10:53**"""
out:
**2:52**
